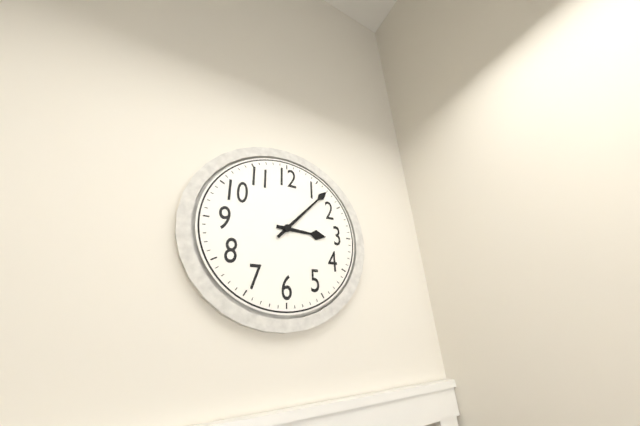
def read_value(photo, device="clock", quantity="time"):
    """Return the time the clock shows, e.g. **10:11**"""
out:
**3:07**
